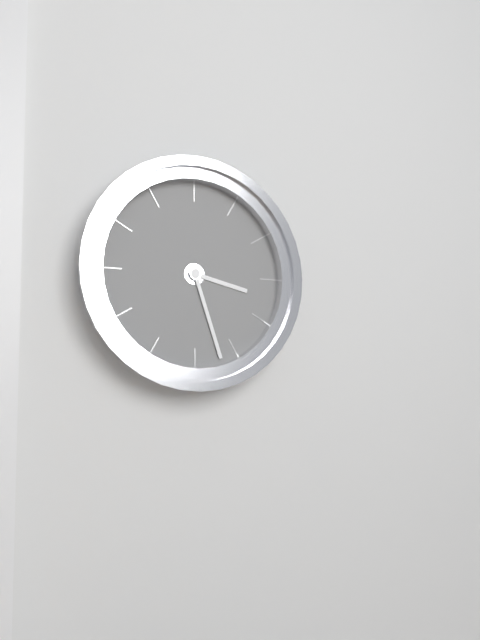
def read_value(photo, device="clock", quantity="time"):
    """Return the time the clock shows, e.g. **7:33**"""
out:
**3:27**
